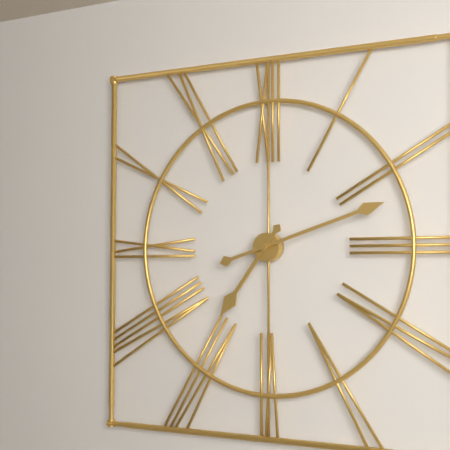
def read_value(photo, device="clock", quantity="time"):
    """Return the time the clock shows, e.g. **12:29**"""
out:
**7:12**
